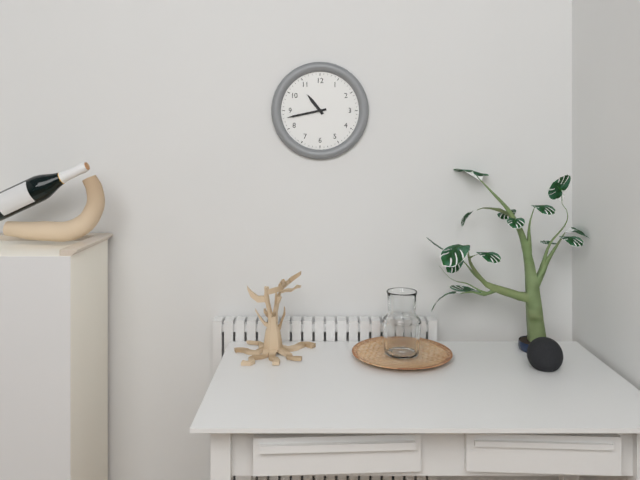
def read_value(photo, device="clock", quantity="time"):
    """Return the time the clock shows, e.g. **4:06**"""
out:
**10:43**
